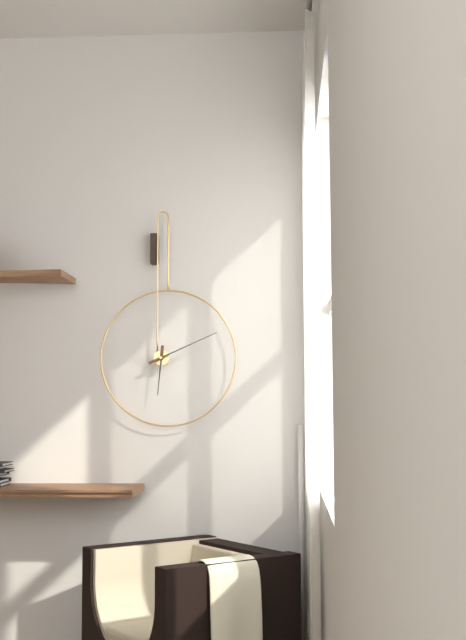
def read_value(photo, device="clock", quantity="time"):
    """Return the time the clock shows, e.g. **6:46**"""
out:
**6:11**
